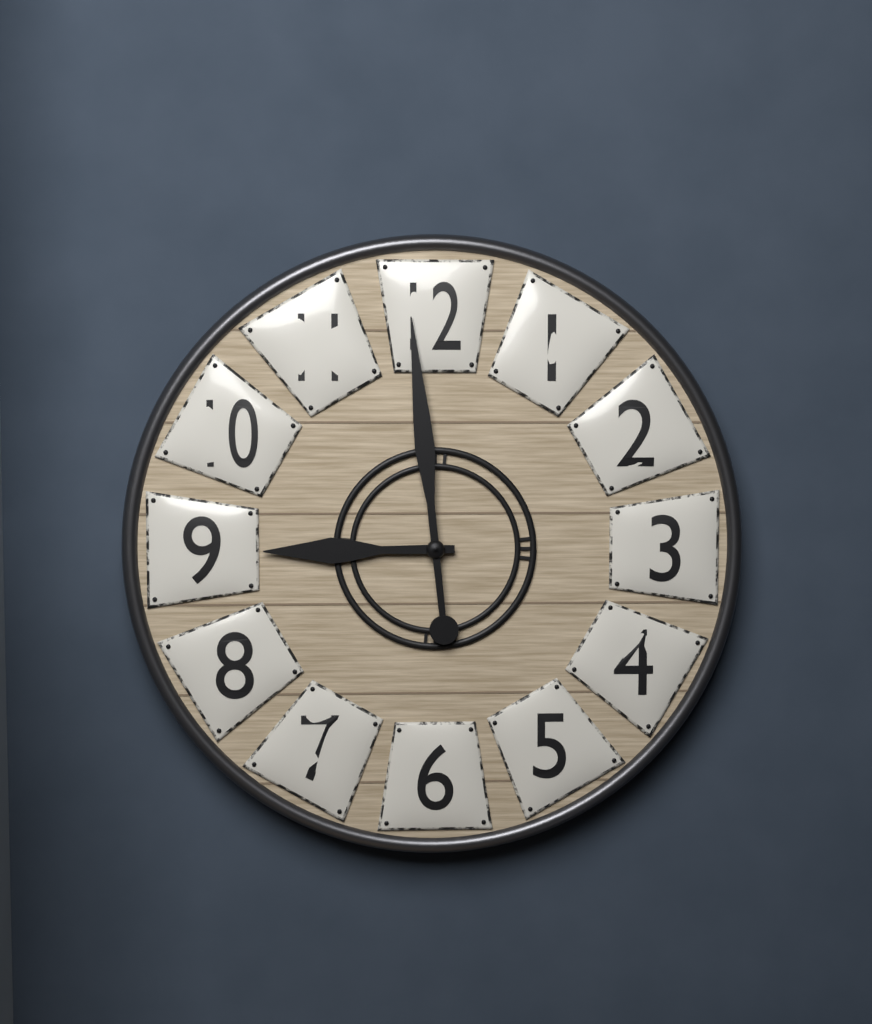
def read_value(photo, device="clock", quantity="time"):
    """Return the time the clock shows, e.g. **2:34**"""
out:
**8:59**
